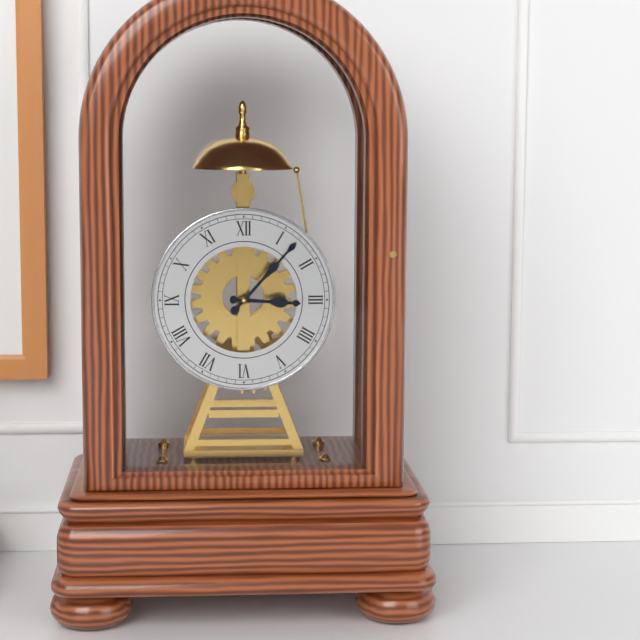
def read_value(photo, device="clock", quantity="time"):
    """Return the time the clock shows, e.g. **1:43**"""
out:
**3:07**
